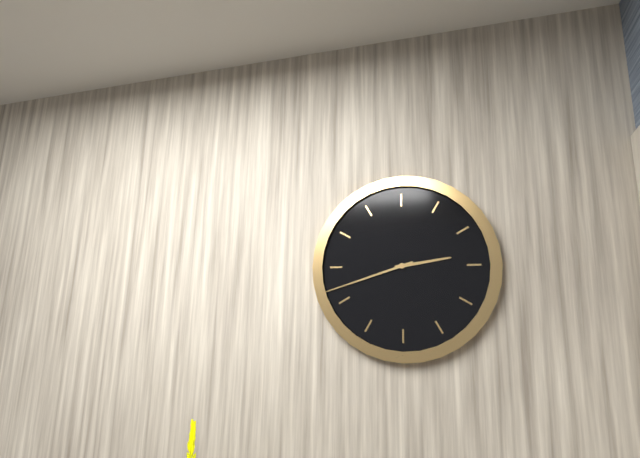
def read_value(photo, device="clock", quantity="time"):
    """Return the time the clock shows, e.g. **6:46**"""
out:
**2:42**
